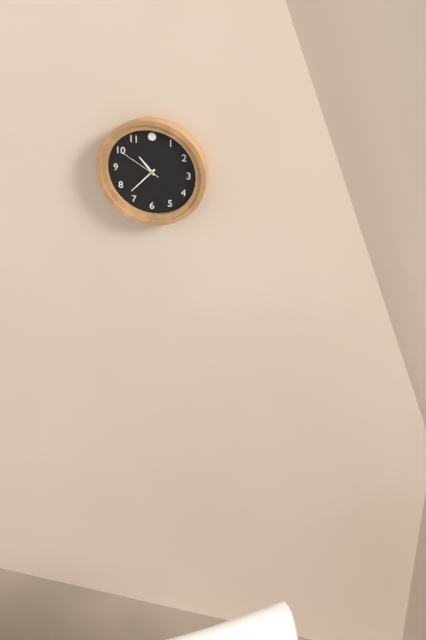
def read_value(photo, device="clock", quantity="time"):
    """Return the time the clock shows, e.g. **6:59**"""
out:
**10:37**
